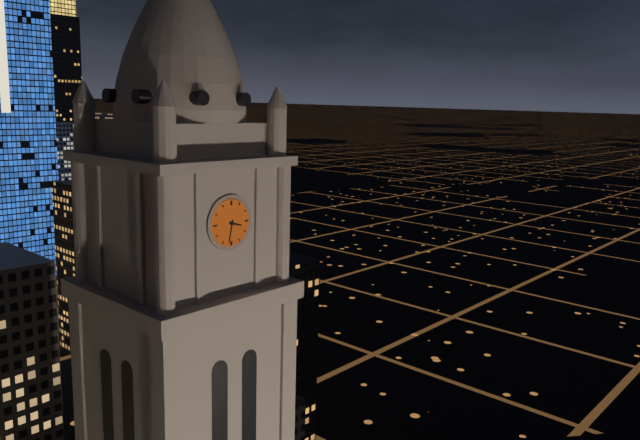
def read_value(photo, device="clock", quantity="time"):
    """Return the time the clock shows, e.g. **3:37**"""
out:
**3:32**
